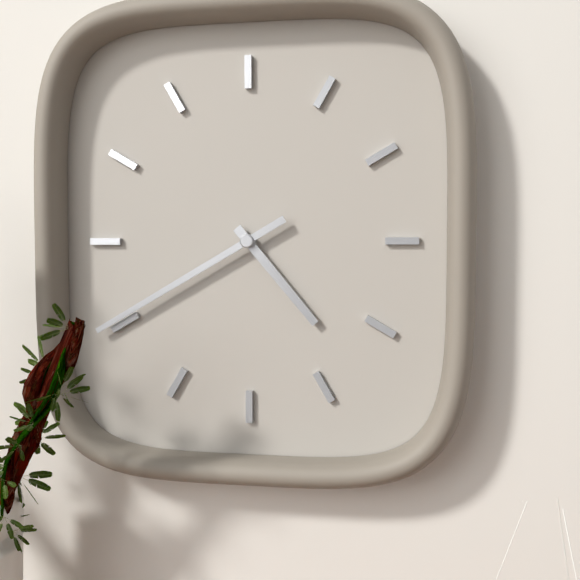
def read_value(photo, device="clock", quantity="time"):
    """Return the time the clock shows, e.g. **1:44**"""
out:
**4:40**
